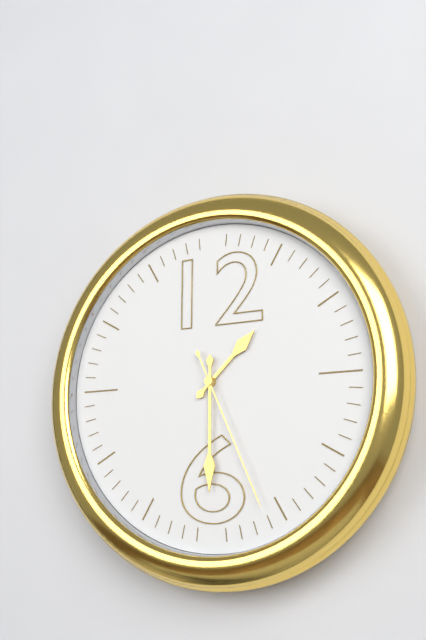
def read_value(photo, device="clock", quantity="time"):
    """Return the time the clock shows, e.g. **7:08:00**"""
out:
**1:30:26**
